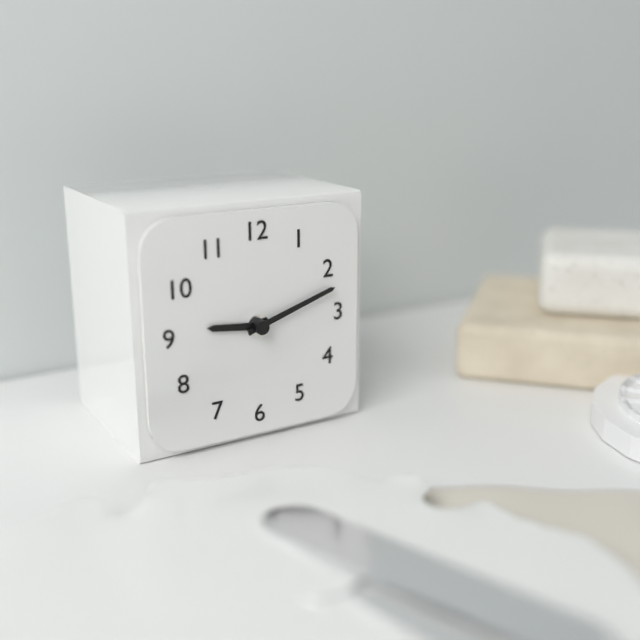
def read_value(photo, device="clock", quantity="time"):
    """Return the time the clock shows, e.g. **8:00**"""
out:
**9:12**
